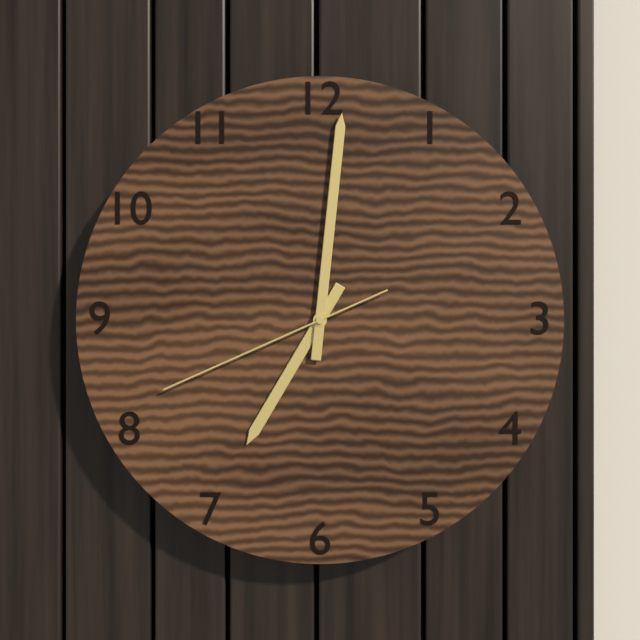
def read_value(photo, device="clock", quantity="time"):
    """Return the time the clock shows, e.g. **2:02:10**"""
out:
**7:01:41**
